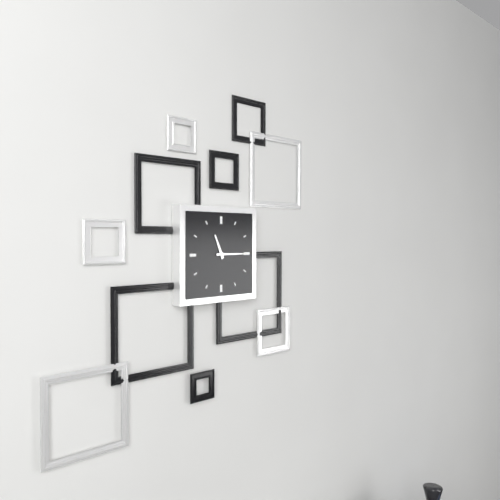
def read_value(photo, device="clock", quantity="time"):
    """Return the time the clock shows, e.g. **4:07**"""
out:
**11:15**
